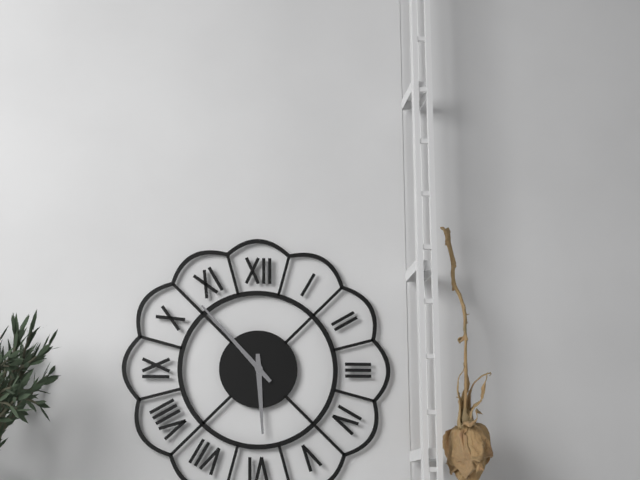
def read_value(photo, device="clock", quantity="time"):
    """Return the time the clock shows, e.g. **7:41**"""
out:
**5:53**
